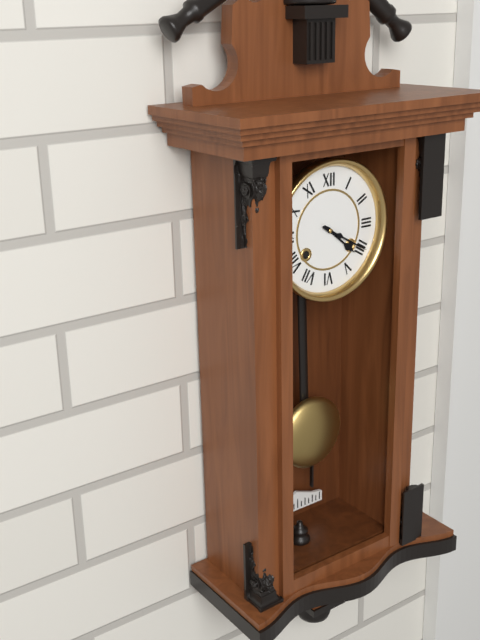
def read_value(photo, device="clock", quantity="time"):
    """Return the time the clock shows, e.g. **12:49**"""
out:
**4:20**
